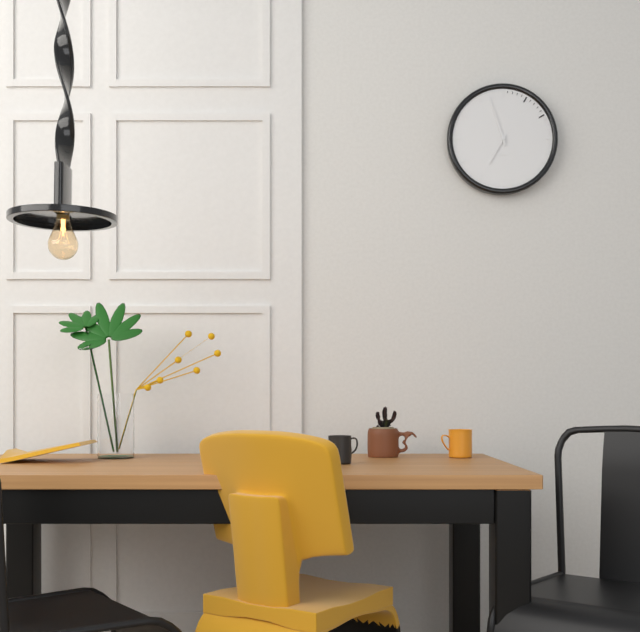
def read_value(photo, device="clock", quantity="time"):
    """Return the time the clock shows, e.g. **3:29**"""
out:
**6:57**
